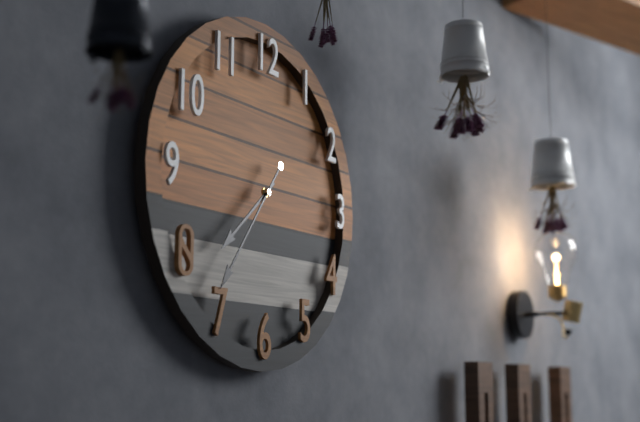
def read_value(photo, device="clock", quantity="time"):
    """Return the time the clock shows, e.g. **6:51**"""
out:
**7:36**
